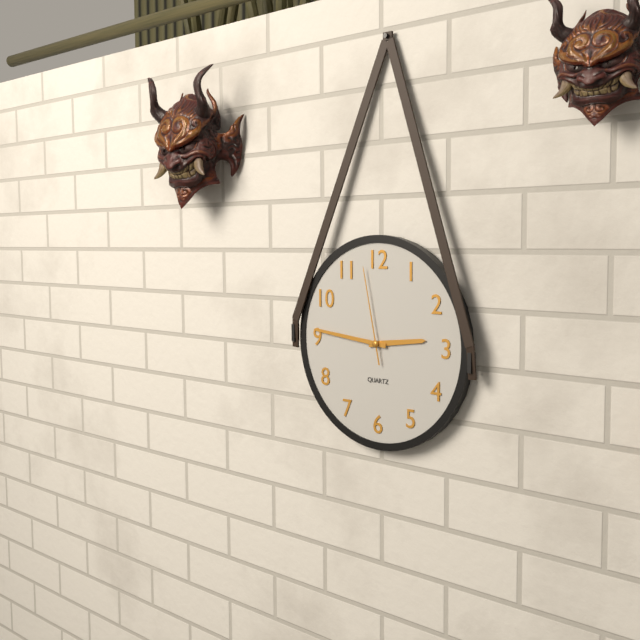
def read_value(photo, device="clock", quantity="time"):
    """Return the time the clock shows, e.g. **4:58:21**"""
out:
**2:46:58**
